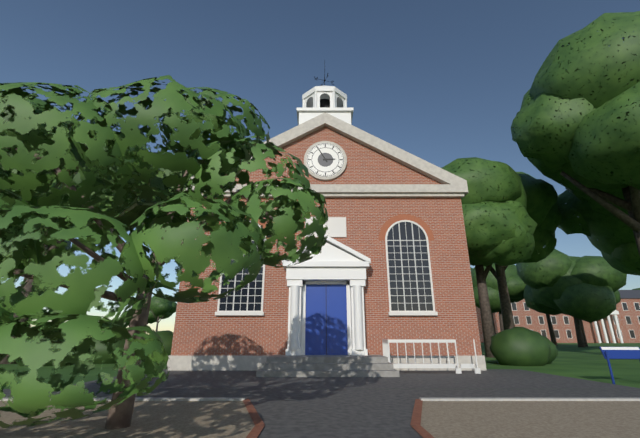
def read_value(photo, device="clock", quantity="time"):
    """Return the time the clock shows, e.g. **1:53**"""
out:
**2:55**
